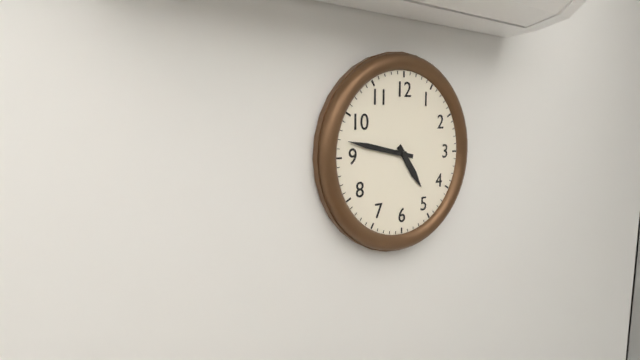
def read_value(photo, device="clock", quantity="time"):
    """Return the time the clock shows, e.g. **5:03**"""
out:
**4:47**
